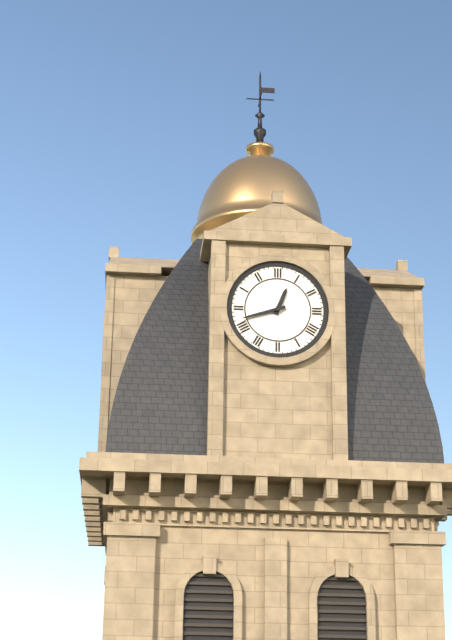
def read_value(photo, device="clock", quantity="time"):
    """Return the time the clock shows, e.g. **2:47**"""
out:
**12:42**
